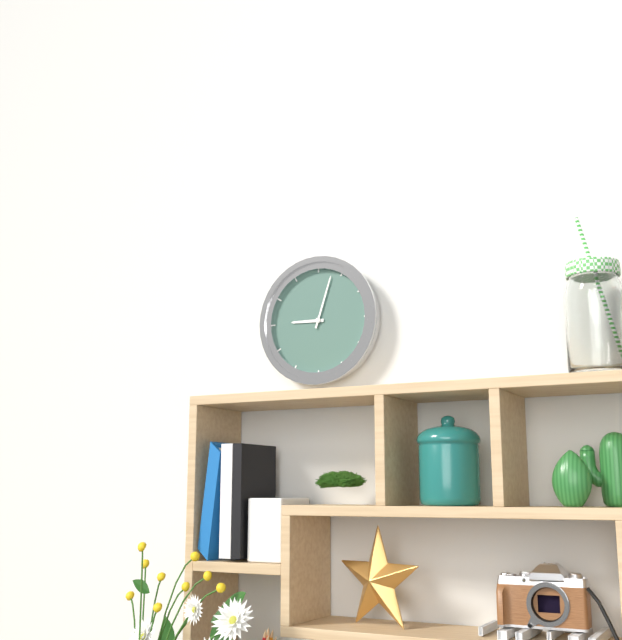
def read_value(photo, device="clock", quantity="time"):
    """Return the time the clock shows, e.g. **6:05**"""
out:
**9:03**
